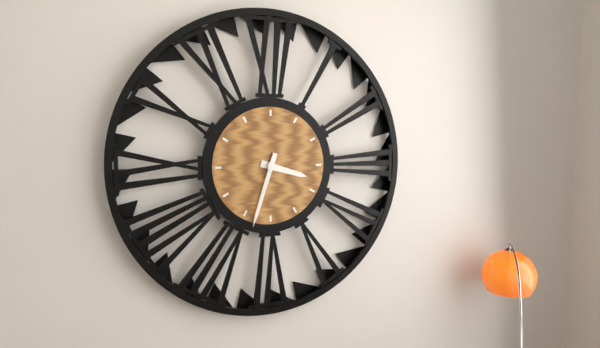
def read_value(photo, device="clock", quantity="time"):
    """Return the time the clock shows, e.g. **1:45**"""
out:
**3:33**
